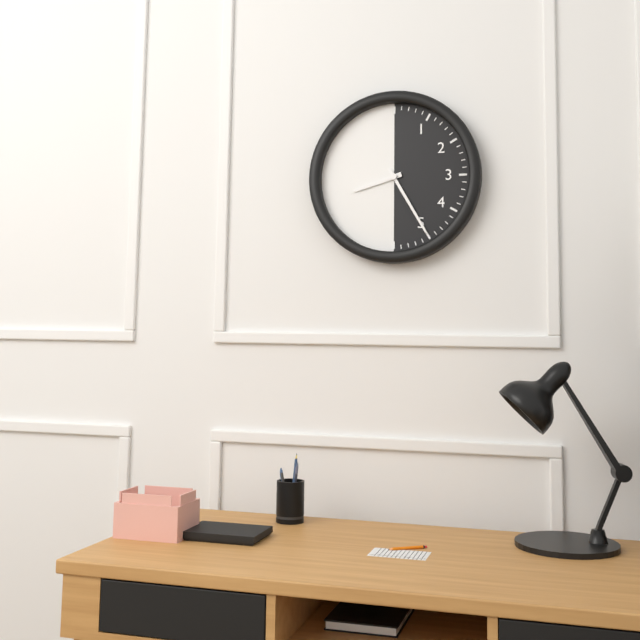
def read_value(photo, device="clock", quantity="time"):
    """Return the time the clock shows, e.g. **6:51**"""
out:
**8:25**
